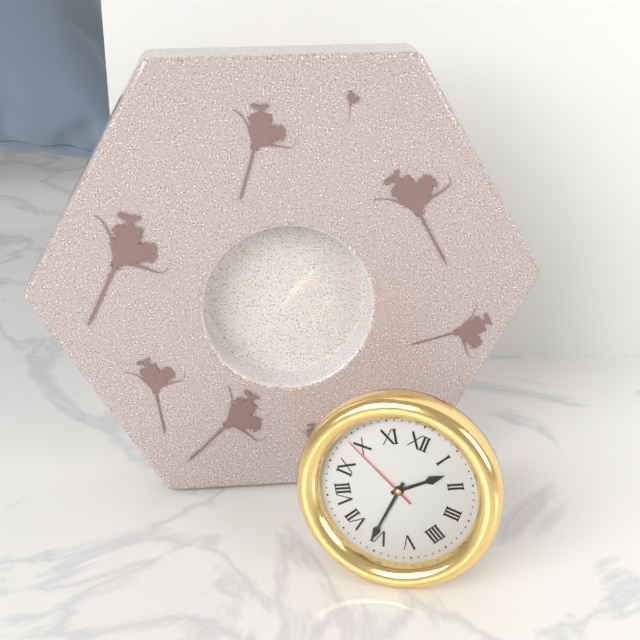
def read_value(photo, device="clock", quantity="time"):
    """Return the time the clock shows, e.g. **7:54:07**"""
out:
**1:31:49**
